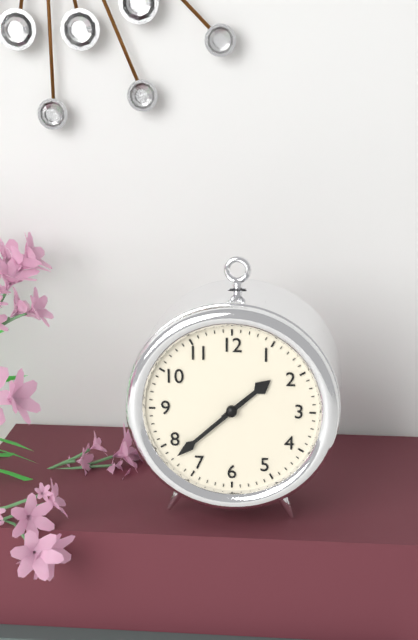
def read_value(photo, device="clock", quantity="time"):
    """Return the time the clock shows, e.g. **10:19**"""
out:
**1:38**
